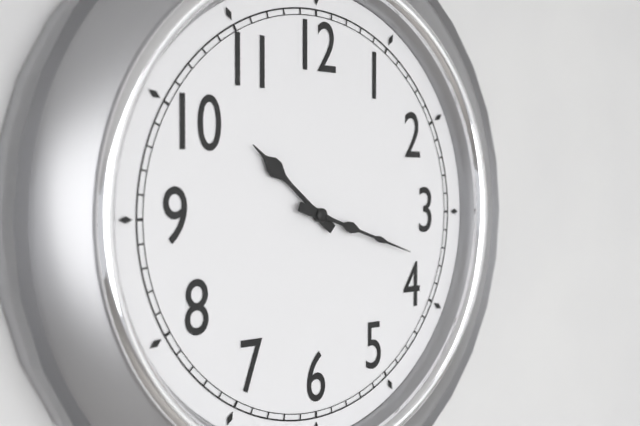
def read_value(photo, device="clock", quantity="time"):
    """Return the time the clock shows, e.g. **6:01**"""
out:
**10:18**
